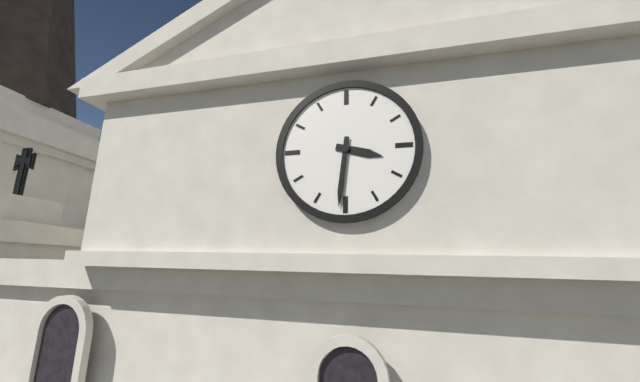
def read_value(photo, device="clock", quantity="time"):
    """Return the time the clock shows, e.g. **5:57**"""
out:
**3:31**
